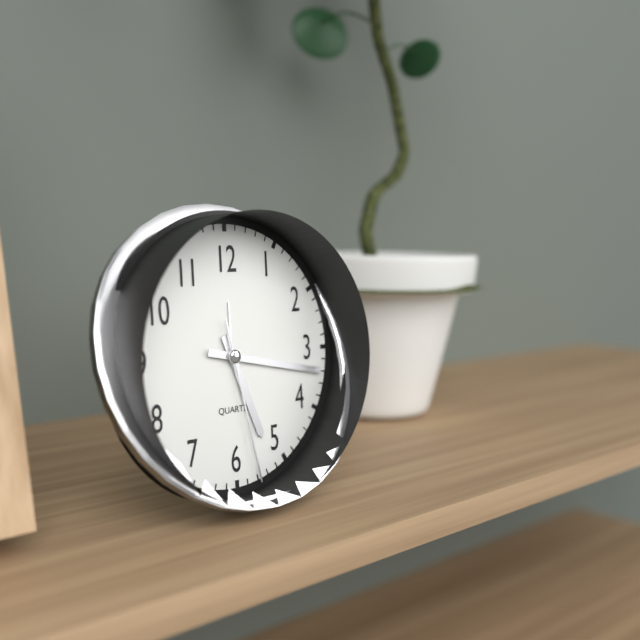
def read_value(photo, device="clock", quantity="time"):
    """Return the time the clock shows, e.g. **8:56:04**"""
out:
**5:17:28**
